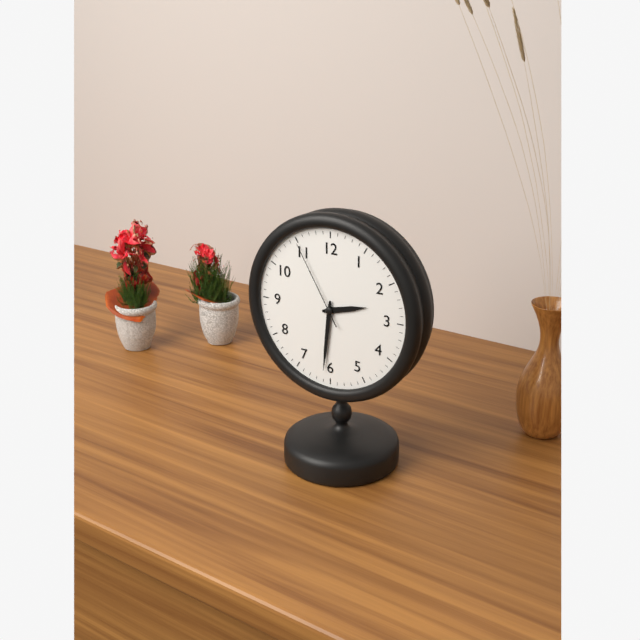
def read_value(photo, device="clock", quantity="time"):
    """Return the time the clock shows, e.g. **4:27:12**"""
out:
**2:31:55**
